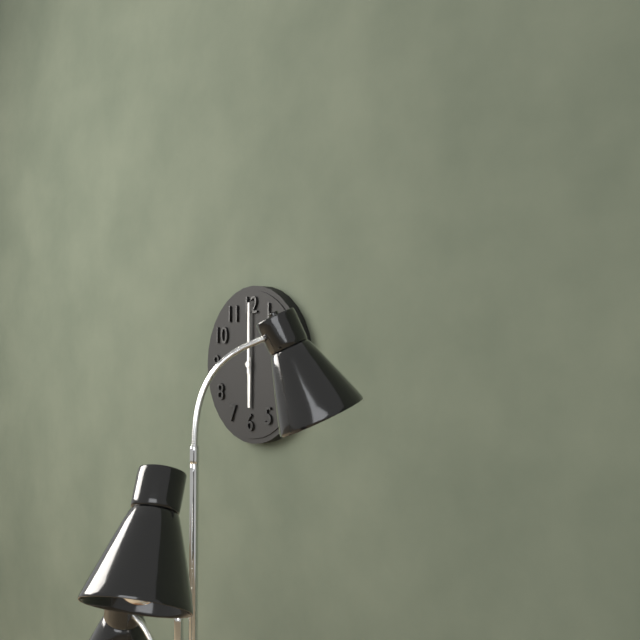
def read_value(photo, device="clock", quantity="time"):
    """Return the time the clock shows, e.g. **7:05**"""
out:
**6:00**
